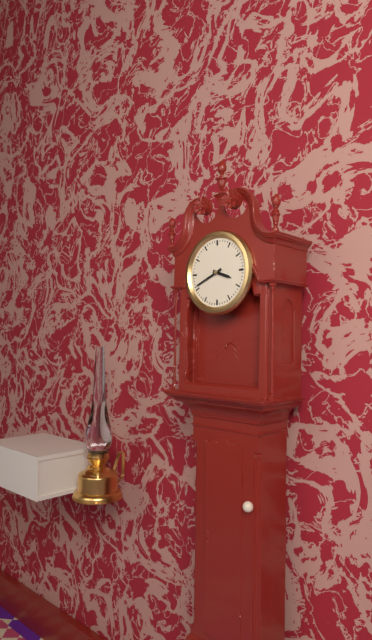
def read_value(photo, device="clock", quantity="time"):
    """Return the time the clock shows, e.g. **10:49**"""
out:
**3:41**
